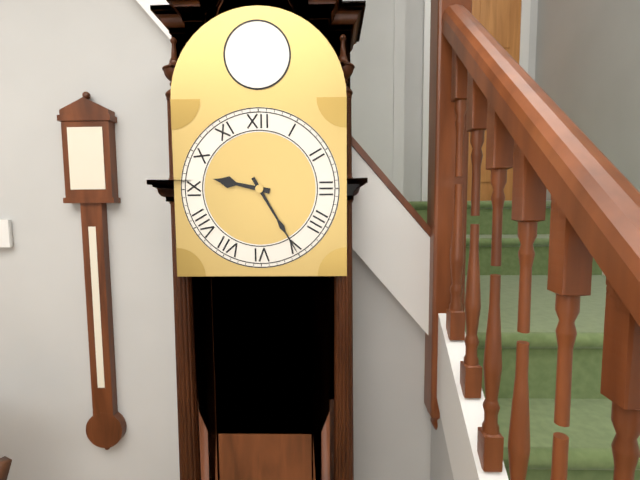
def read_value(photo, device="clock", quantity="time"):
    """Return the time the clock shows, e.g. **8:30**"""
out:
**9:25**
